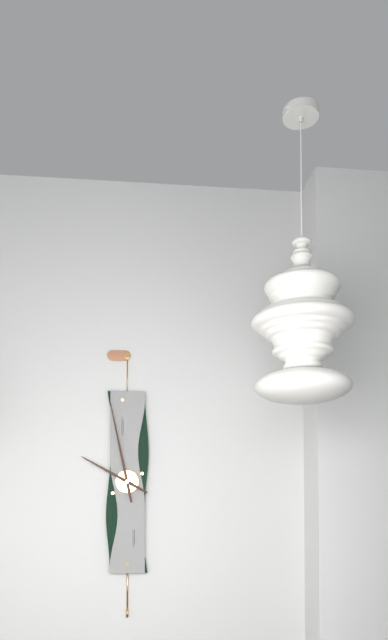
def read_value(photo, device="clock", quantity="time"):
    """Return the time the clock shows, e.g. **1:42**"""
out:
**9:58**
